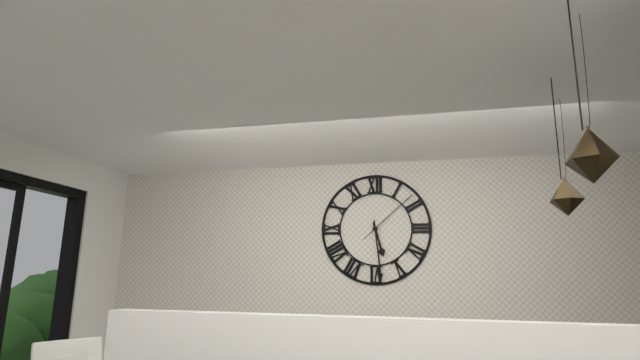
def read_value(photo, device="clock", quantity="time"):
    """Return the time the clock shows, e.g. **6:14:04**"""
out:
**5:29:08**
